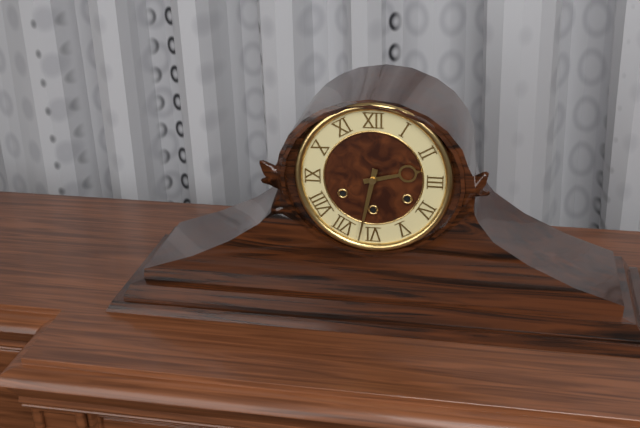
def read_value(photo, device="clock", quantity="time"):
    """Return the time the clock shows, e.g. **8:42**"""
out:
**2:32**
